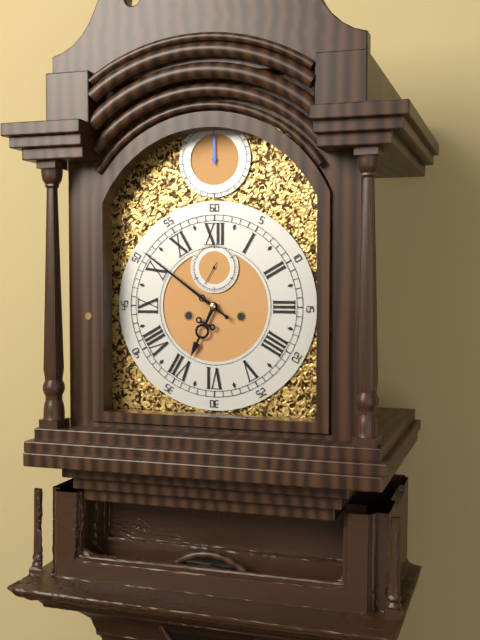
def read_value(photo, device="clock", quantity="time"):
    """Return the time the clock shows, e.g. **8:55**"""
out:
**6:51**
